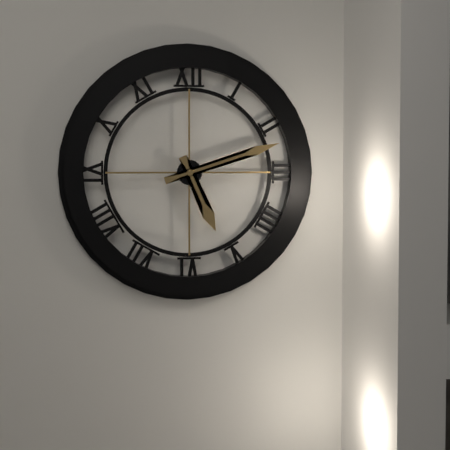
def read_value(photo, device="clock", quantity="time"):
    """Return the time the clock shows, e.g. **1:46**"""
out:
**5:12**
